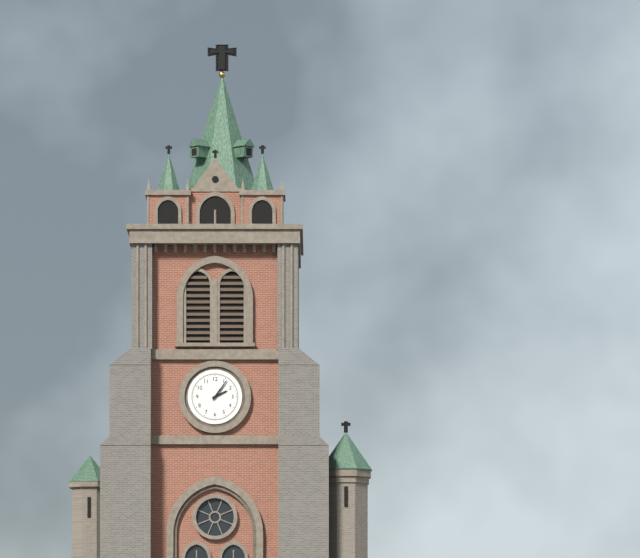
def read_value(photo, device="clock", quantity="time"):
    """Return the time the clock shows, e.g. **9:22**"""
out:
**2:06**
